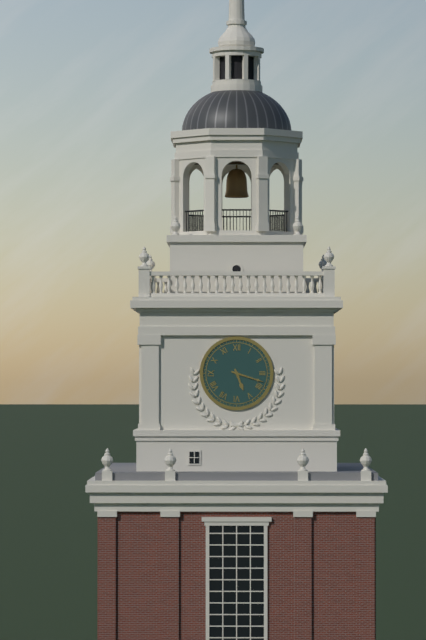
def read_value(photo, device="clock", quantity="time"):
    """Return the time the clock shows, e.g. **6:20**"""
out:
**5:18**
